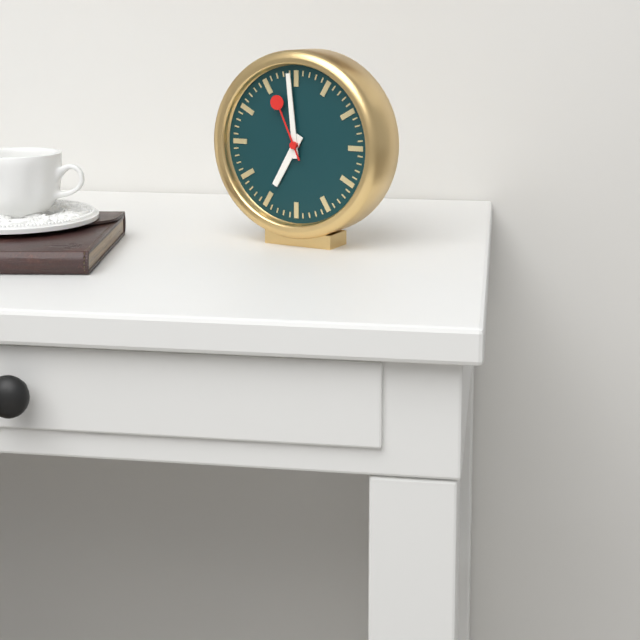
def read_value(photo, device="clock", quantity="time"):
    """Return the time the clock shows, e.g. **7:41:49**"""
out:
**6:59:56**
